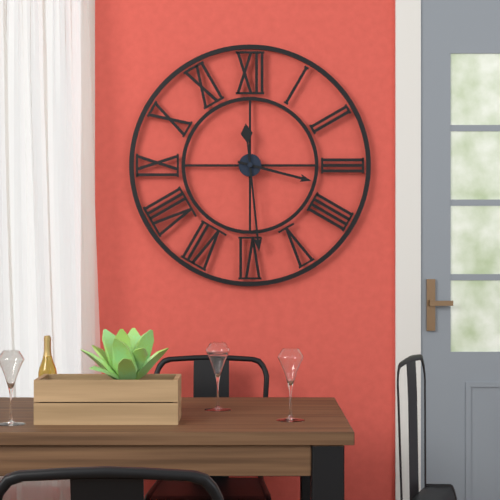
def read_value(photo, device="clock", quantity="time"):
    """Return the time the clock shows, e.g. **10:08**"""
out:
**3:29**
